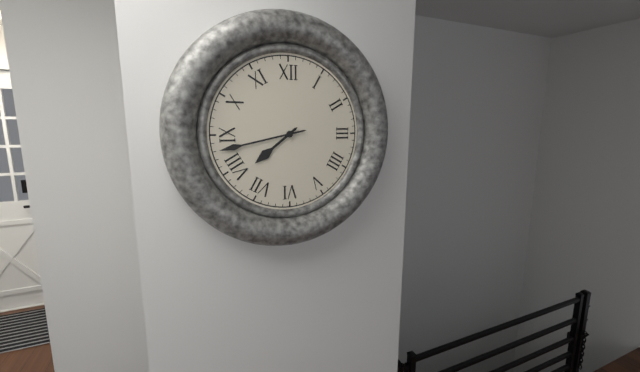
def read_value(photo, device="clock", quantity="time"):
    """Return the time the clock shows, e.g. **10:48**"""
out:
**7:43**
